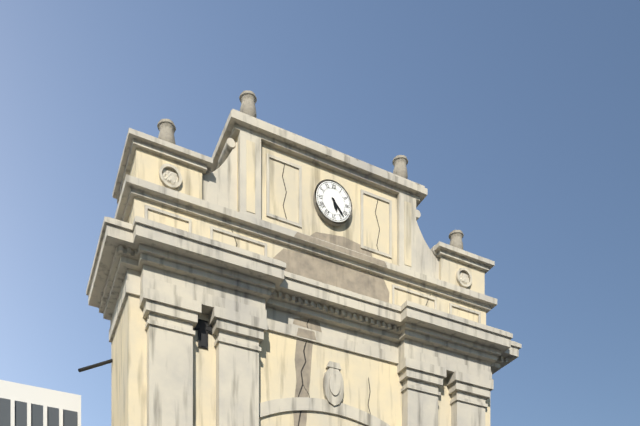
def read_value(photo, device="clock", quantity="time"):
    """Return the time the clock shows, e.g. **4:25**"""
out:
**5:23**
